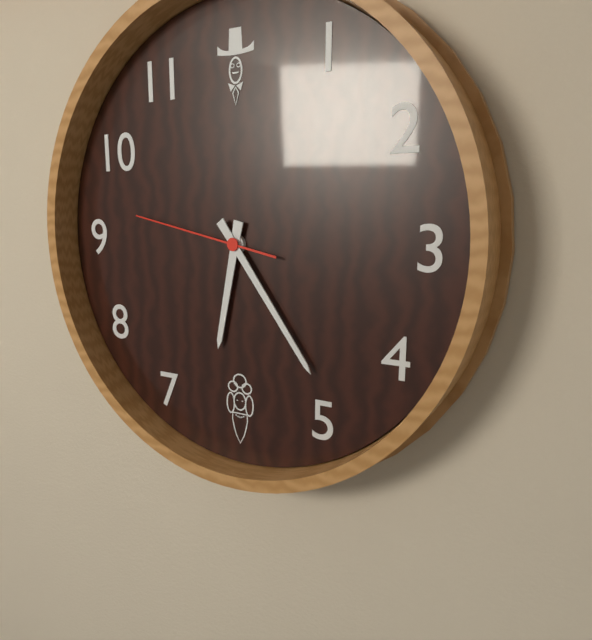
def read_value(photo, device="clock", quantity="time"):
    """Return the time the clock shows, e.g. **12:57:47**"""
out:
**6:24:47**
